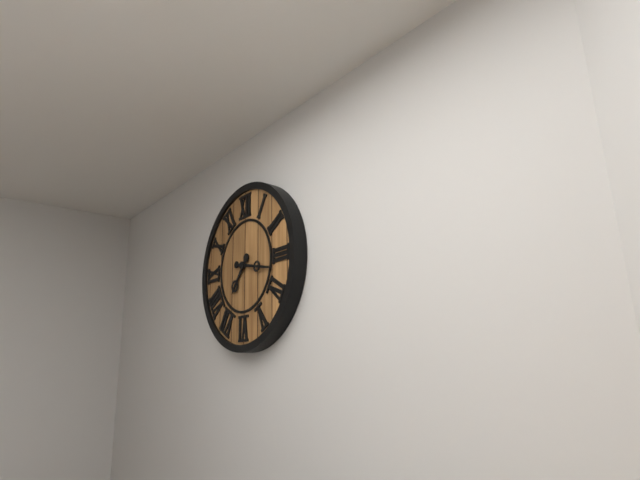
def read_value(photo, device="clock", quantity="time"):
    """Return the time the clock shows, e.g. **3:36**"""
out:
**7:17**
